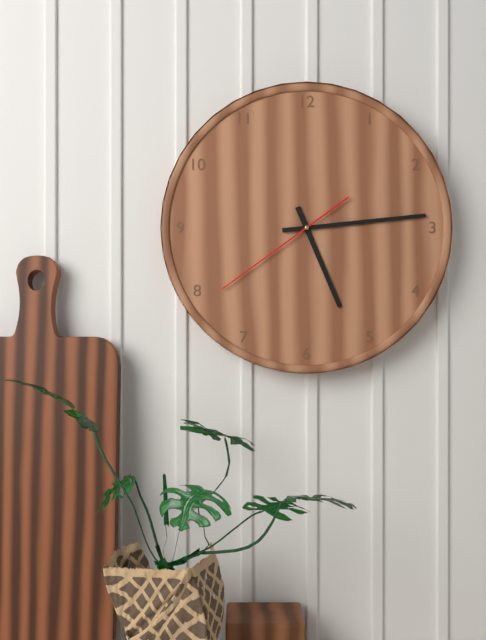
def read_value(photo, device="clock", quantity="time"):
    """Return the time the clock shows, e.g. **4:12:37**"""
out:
**5:14:39**
